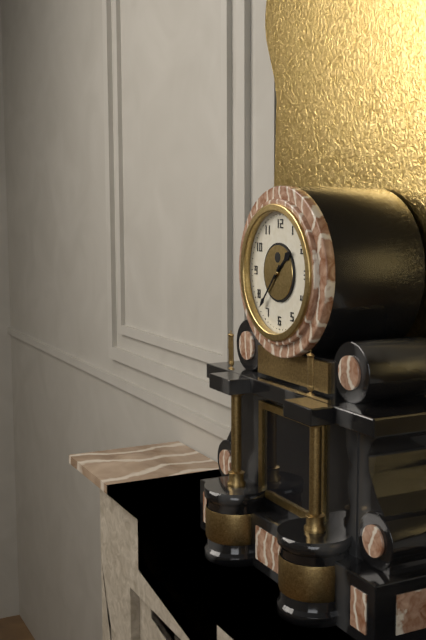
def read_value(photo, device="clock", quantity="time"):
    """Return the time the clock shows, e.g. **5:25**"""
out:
**1:37**
